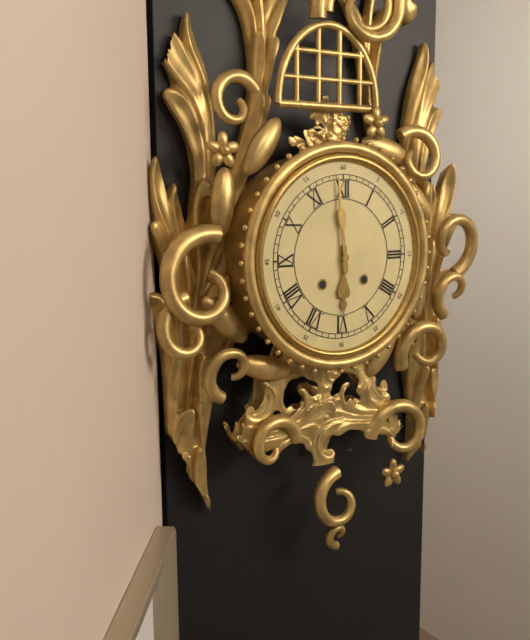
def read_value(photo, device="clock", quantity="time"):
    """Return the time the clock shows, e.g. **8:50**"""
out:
**5:59**
